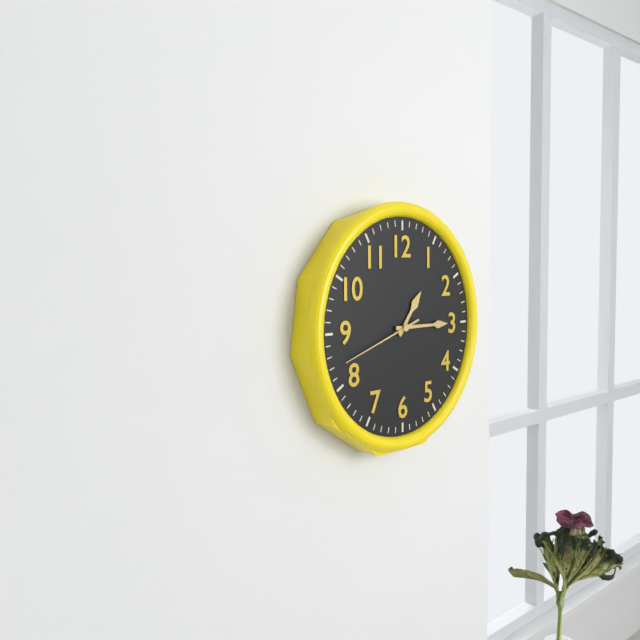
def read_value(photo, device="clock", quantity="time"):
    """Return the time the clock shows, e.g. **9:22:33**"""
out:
**1:15:42**
